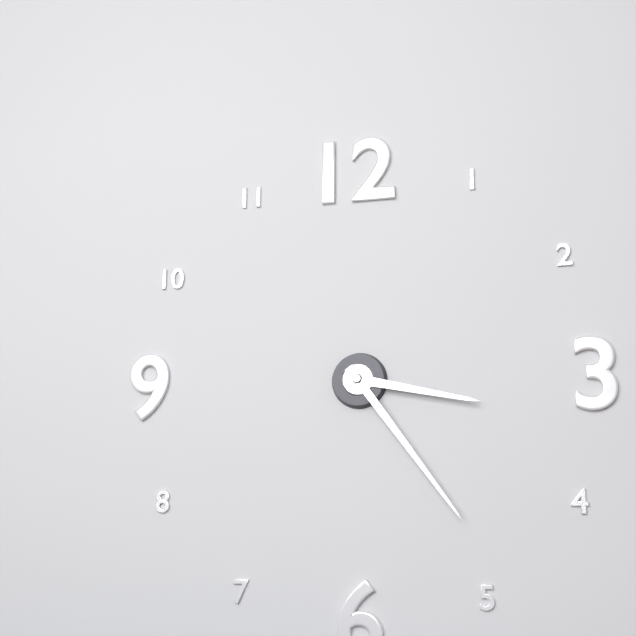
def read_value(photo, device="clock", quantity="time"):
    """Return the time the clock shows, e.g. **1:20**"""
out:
**3:24**
